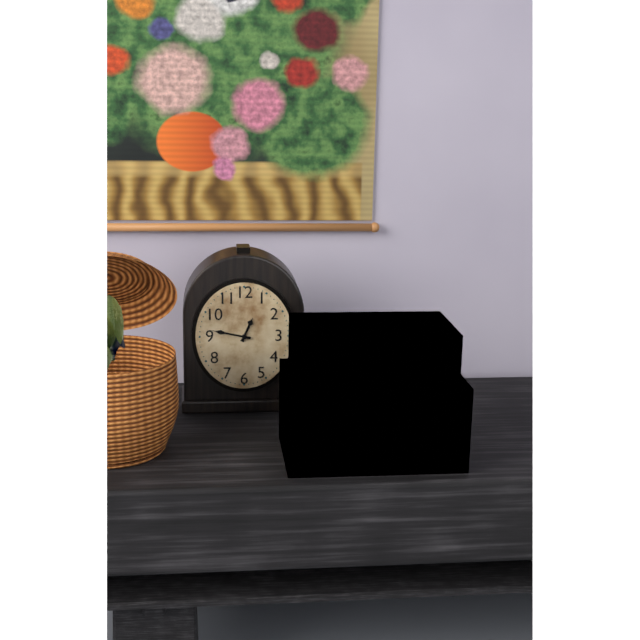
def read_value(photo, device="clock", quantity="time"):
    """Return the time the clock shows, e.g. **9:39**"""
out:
**12:47**
